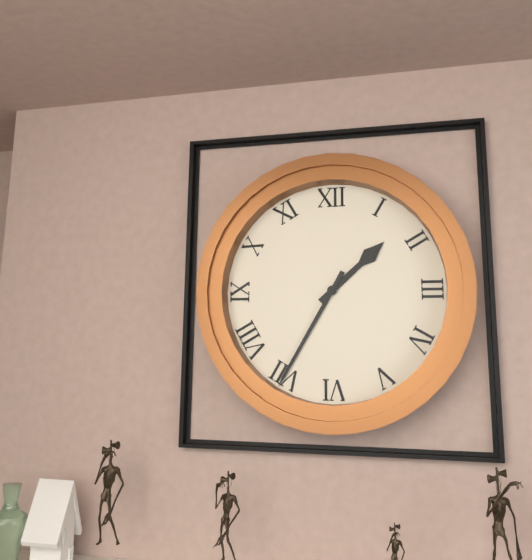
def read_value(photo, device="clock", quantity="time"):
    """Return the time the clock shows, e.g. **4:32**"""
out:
**1:35**
